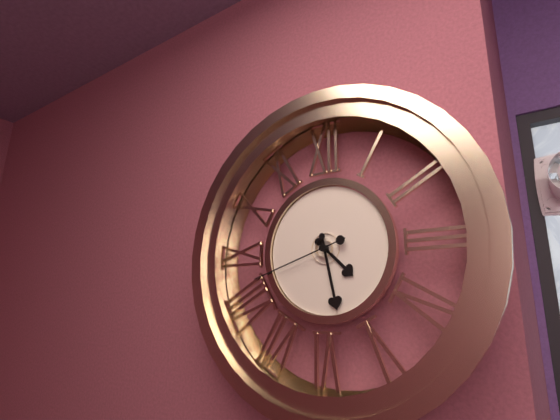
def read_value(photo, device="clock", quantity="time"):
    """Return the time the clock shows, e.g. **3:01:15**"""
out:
**4:28:42**
